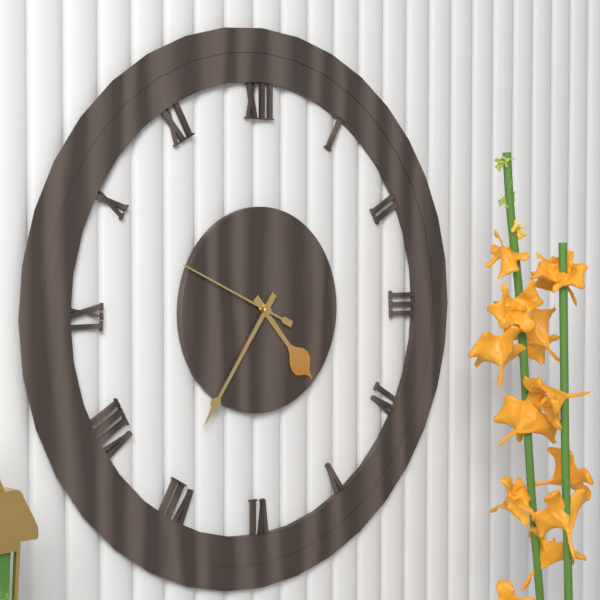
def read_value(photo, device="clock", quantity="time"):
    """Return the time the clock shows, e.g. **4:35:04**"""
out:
**4:36:49**
